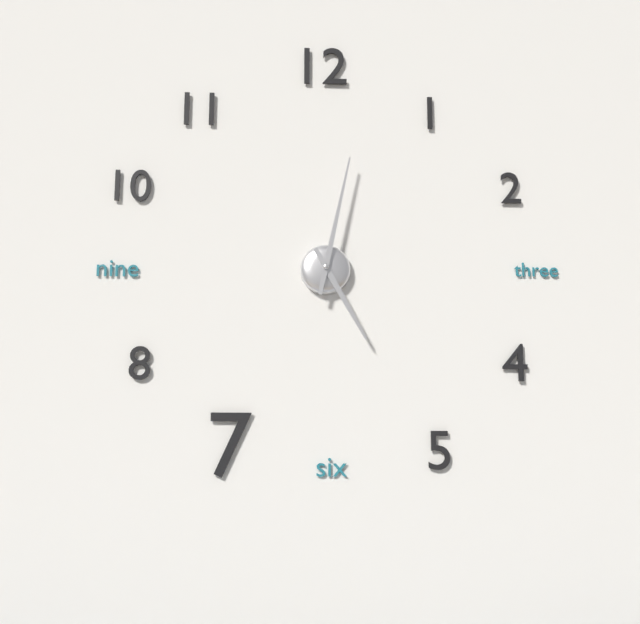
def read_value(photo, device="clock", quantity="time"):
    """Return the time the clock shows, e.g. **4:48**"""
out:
**5:02**
